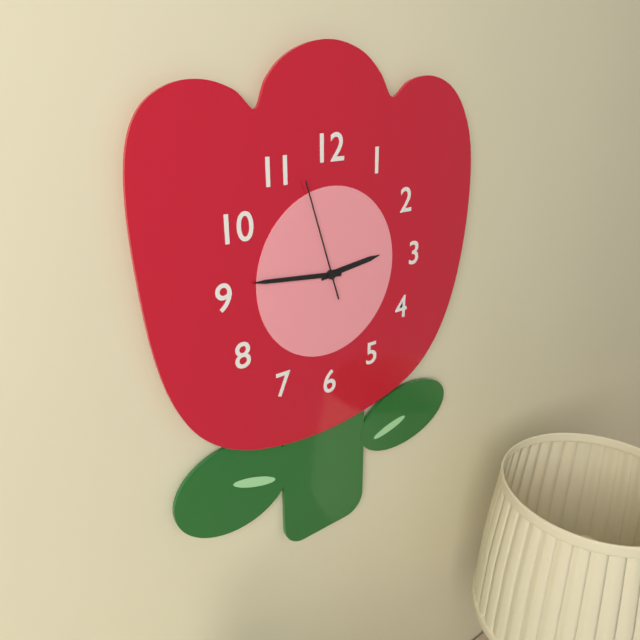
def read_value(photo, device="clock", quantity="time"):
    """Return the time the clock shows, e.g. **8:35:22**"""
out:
**2:46:57**
